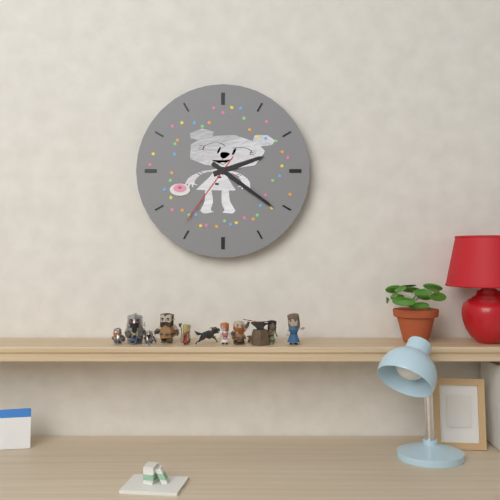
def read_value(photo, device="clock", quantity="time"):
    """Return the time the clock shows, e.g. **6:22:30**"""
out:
**2:21:36**
